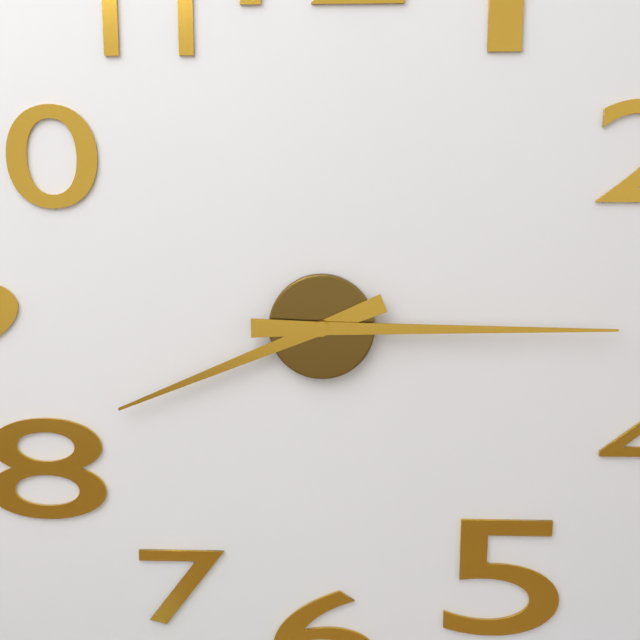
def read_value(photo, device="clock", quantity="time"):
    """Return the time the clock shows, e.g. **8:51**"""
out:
**8:15**
